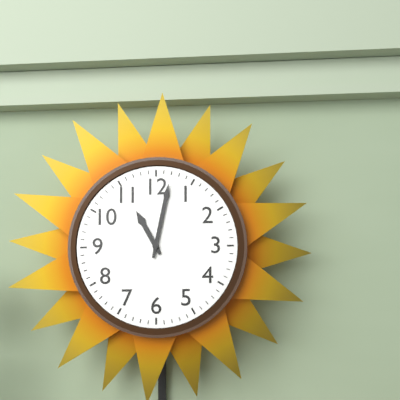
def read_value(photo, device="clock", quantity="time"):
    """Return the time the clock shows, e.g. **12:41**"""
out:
**11:02**
